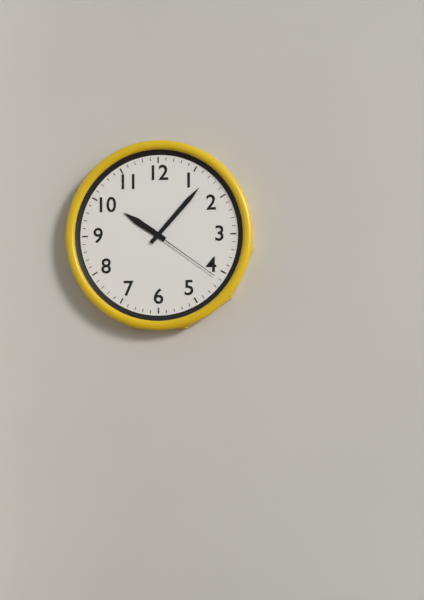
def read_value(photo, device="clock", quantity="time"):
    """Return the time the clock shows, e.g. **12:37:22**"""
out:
**10:07:21**
